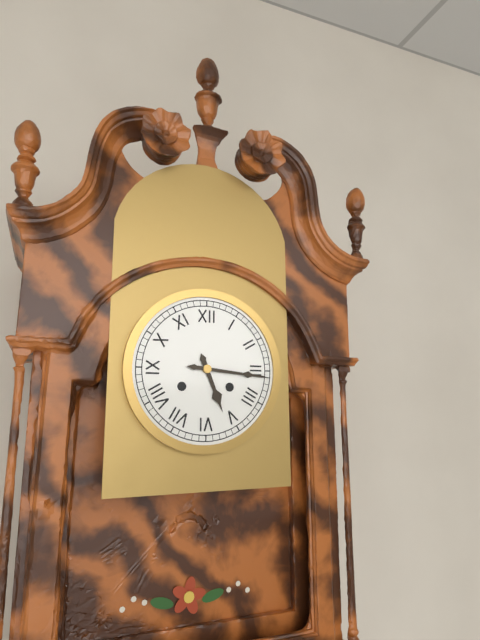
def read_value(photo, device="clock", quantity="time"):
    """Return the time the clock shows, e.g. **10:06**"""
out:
**5:16**
